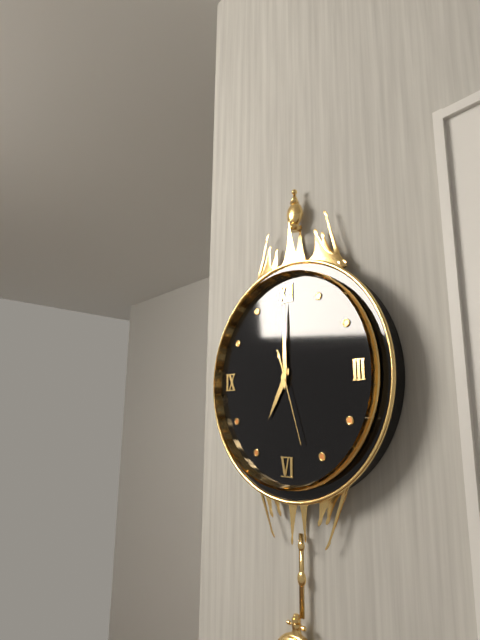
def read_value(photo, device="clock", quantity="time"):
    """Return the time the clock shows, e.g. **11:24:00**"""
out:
**7:00:27**
